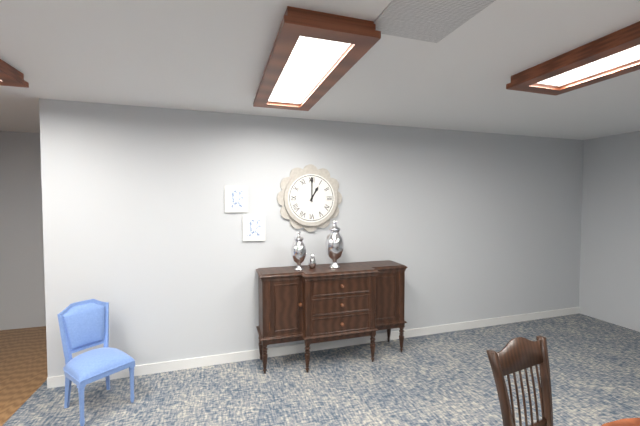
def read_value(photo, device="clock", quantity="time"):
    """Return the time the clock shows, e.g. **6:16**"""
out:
**1:00**
